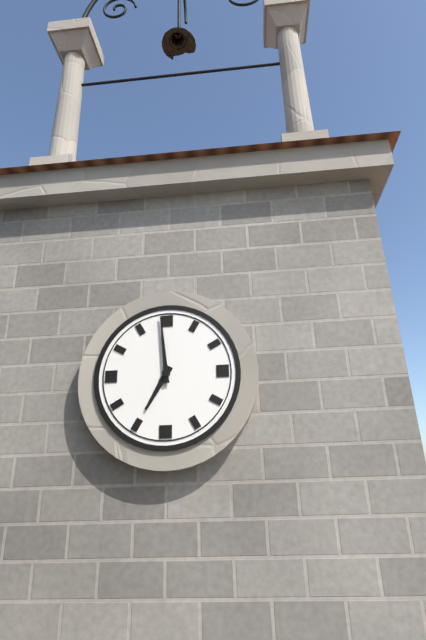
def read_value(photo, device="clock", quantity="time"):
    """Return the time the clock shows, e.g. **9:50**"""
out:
**6:59**
